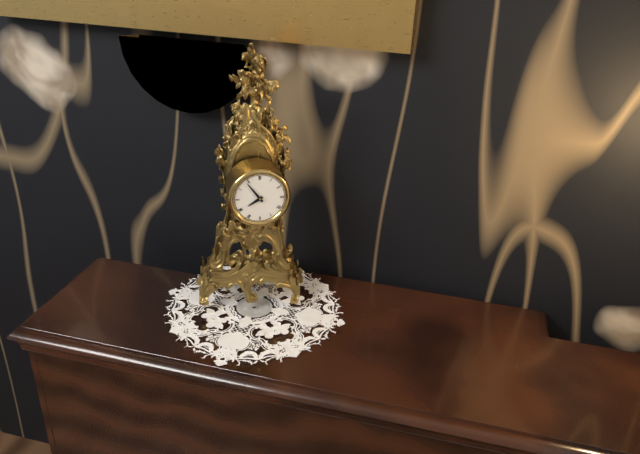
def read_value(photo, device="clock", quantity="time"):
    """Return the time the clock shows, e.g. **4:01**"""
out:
**7:54**
